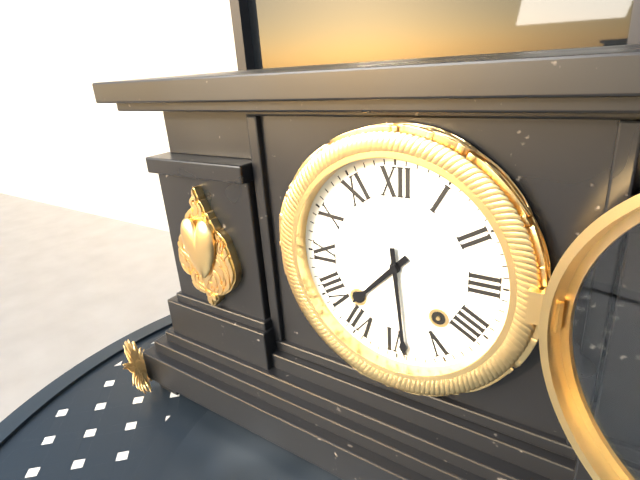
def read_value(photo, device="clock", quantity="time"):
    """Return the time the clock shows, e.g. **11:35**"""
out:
**7:29**
